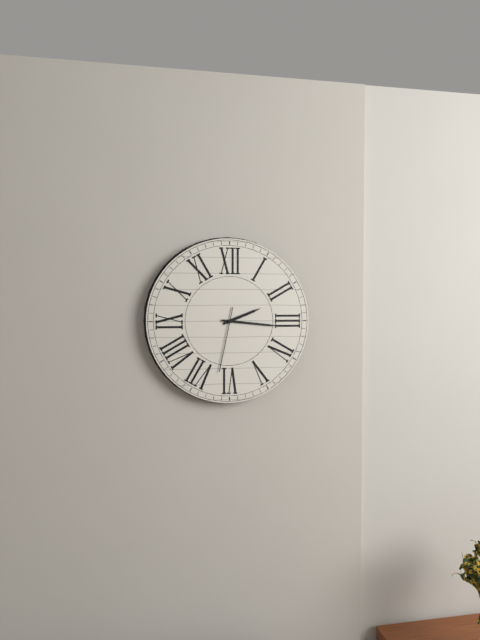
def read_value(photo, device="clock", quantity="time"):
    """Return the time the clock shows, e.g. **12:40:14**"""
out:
**2:16:32**
